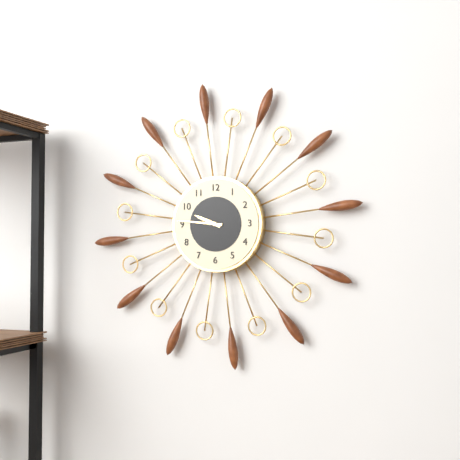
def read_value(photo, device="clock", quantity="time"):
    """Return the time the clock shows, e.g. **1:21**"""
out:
**9:46**
